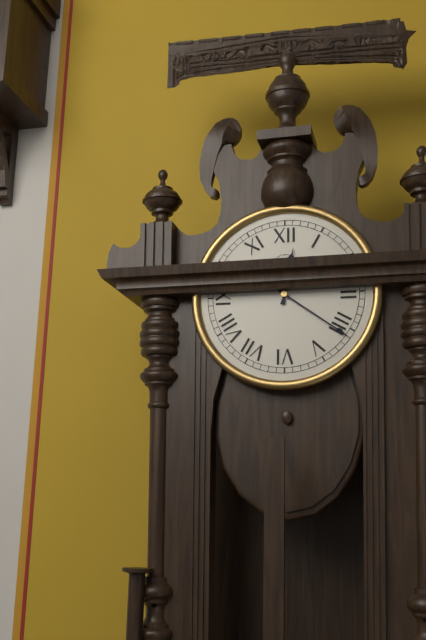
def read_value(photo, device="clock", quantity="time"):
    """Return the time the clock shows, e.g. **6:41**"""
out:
**12:21**
